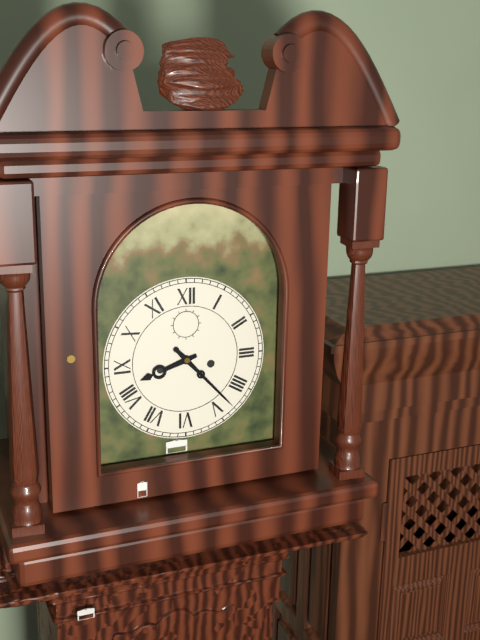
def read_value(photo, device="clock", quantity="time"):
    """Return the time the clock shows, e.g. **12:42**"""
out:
**8:23**
